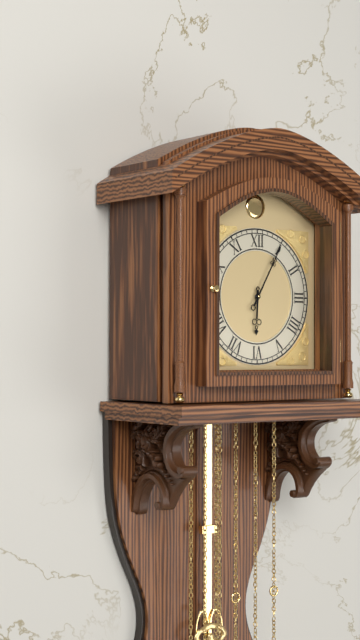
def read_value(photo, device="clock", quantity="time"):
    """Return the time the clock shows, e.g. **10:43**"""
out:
**6:05**
